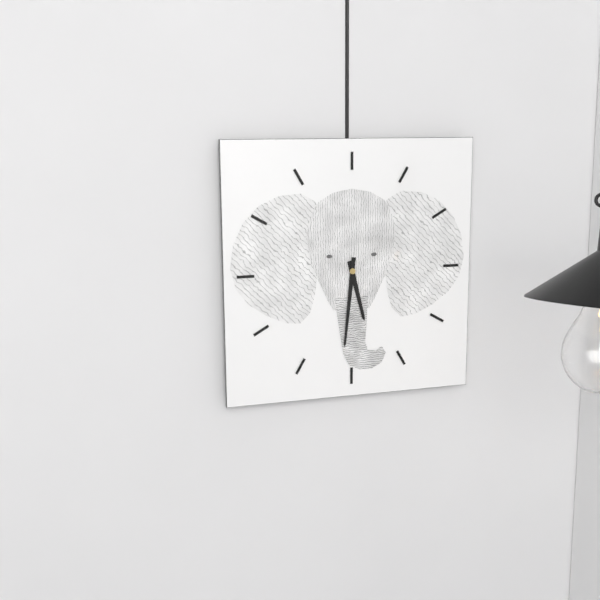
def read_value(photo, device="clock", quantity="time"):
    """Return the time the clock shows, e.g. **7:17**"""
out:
**5:31**
